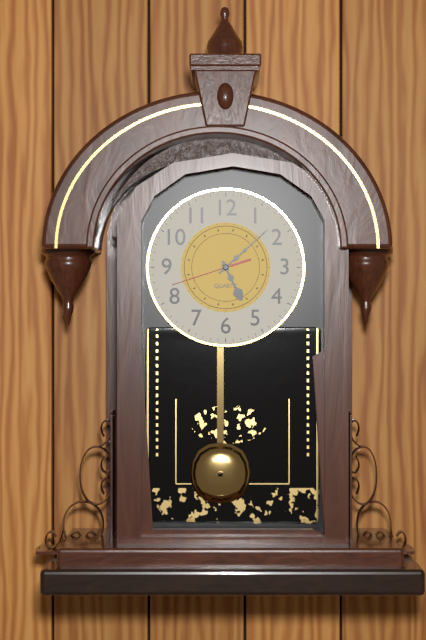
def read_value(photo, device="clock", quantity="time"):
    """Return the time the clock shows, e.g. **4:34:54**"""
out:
**5:08:42**
